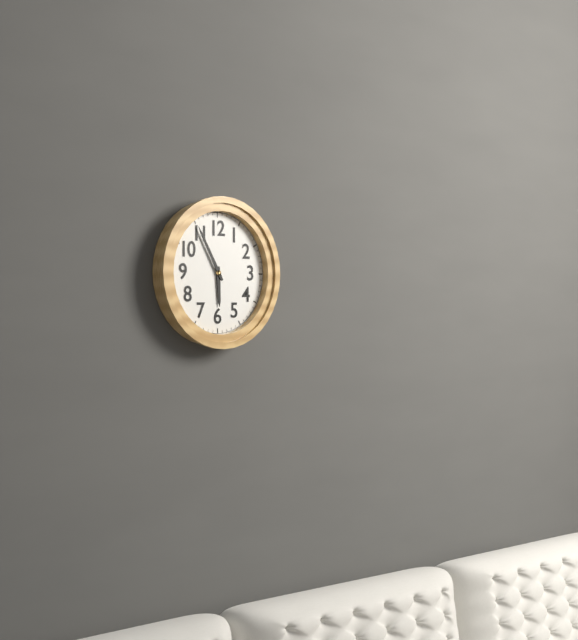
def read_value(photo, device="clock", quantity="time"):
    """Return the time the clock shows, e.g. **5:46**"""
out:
**5:55**
